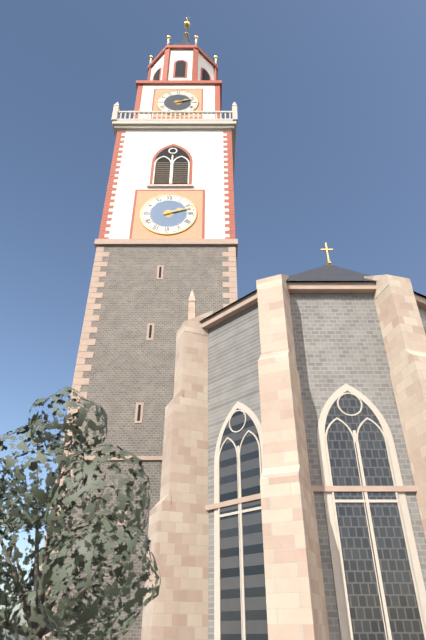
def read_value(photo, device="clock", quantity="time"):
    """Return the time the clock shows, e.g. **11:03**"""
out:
**2:12**
